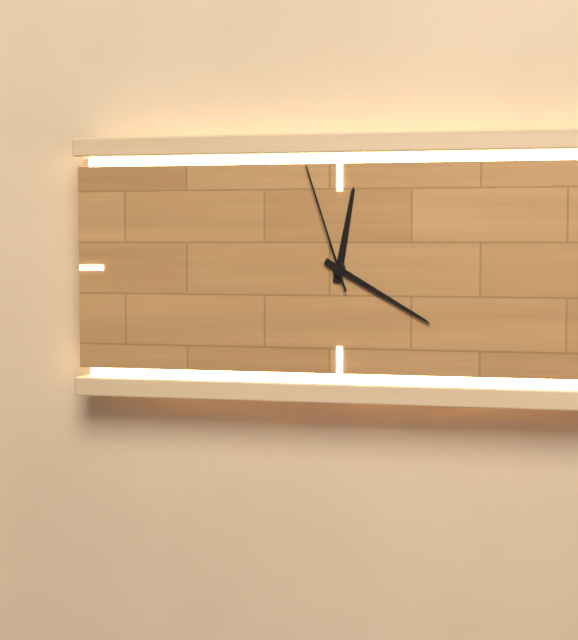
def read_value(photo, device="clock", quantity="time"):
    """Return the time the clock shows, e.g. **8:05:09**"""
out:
**12:20:57**
